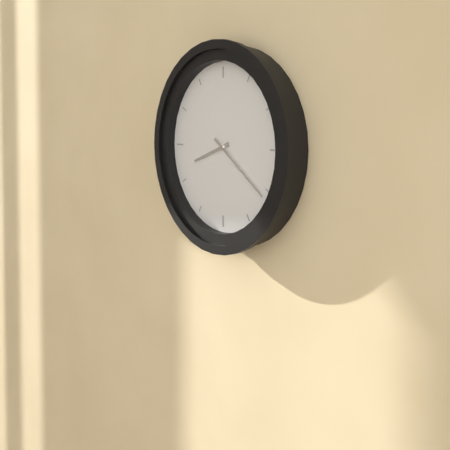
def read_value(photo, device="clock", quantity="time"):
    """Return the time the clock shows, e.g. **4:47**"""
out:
**8:21**
